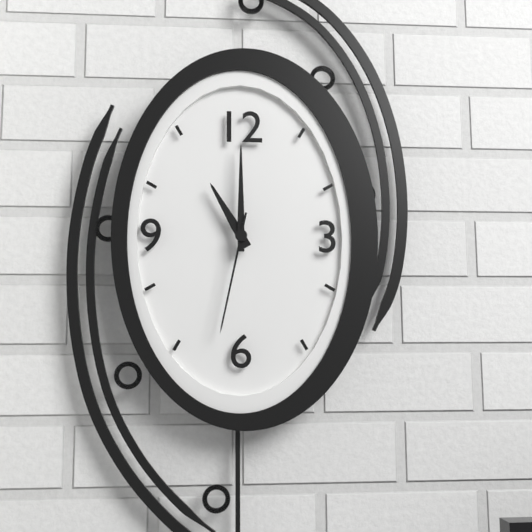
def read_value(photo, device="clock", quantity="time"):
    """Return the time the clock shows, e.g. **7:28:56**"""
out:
**11:00:32**
